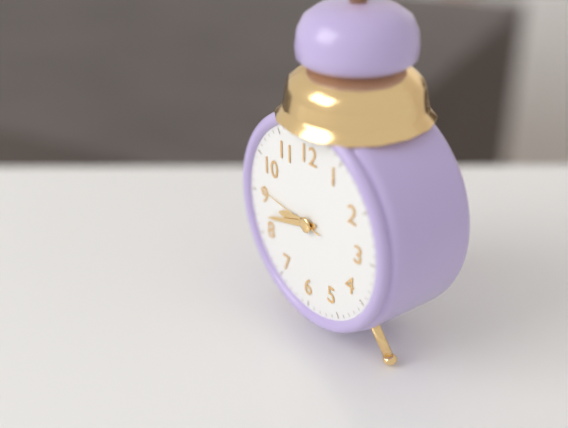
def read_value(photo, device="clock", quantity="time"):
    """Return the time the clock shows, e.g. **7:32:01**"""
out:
**8:42:46**
